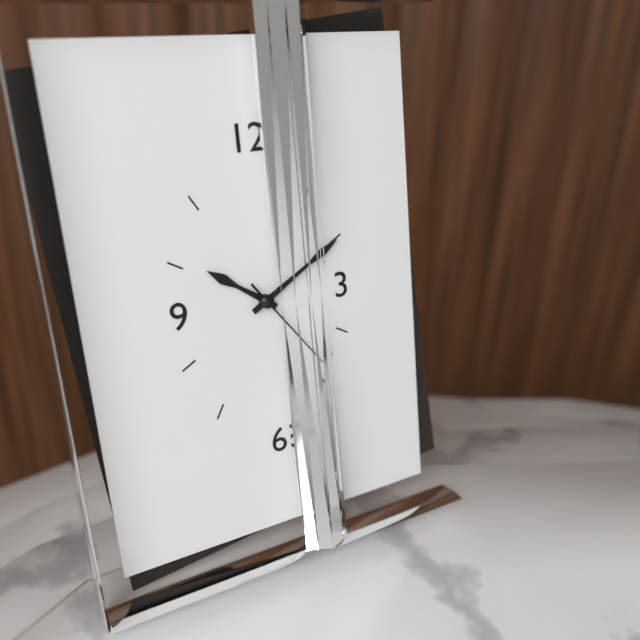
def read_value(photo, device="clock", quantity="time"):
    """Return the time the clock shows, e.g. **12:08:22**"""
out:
**10:10:24**
